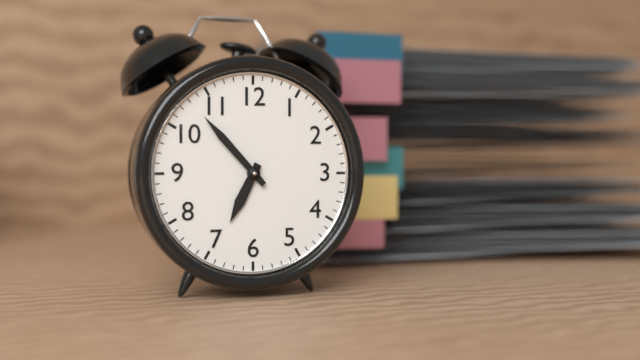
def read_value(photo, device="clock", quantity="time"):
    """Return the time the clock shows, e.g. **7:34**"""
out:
**6:53**
